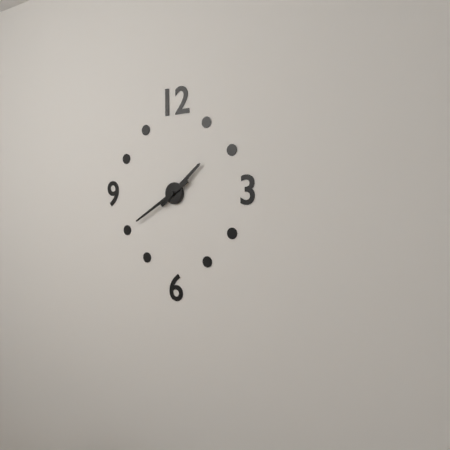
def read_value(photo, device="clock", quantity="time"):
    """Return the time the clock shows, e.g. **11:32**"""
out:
**1:40**
